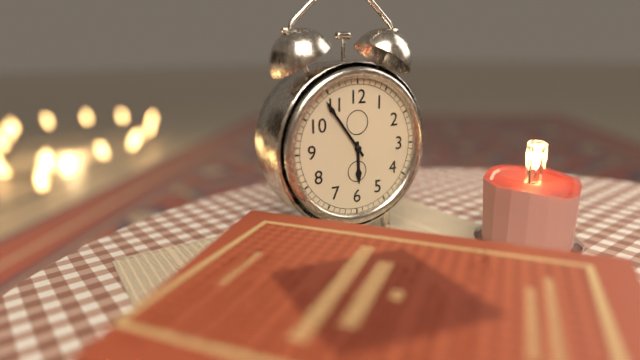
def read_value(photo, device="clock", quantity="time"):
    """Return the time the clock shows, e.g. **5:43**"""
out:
**5:54**
